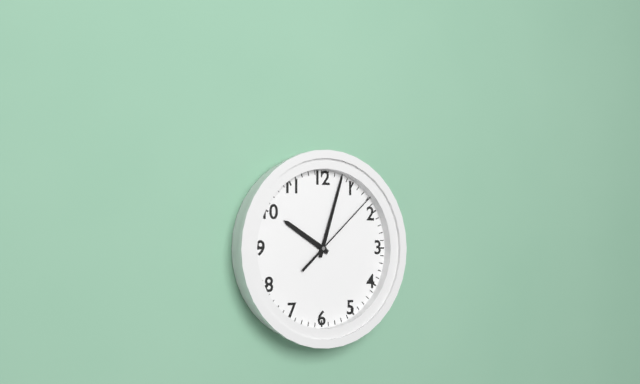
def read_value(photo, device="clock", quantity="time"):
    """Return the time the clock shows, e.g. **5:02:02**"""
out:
**10:03:08**
